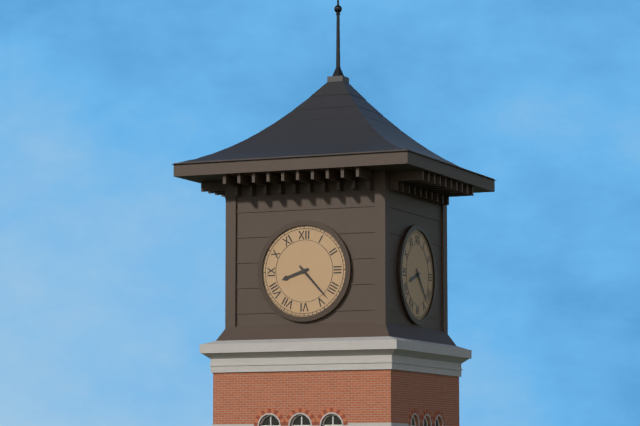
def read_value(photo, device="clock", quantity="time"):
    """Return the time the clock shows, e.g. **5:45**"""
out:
**8:23**
